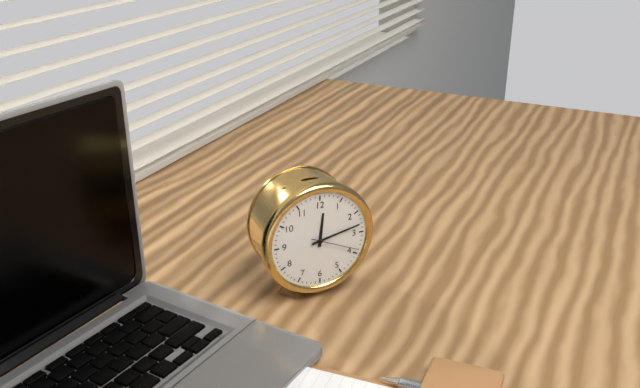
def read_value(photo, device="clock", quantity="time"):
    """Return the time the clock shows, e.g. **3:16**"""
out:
**12:13**
